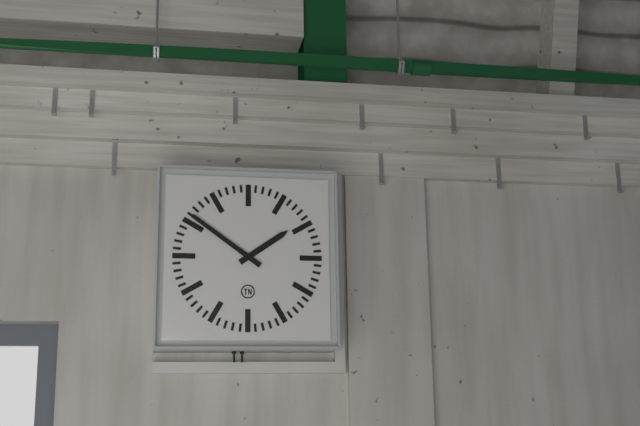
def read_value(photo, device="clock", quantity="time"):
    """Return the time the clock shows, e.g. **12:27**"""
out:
**1:51**
